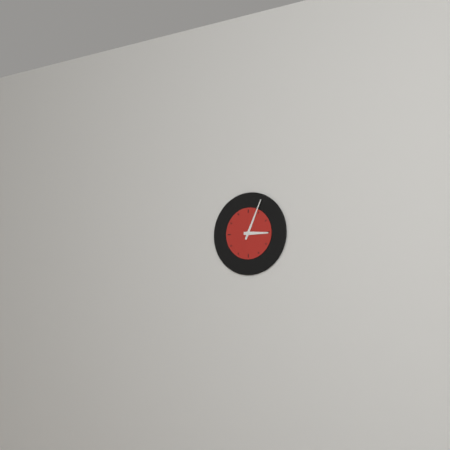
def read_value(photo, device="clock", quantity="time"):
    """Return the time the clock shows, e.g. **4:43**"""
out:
**3:04**
